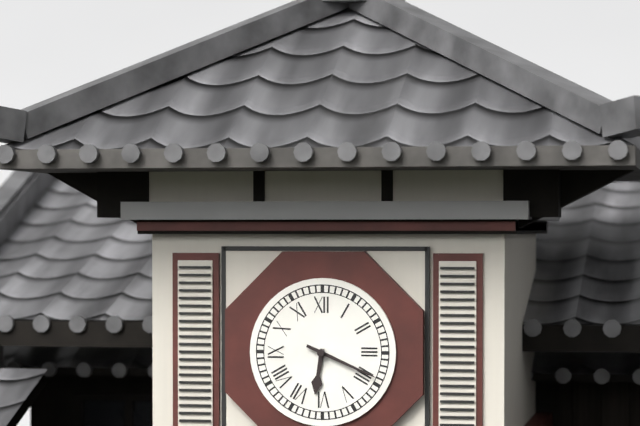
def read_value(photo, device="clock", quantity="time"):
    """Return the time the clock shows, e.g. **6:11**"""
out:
**6:19**
